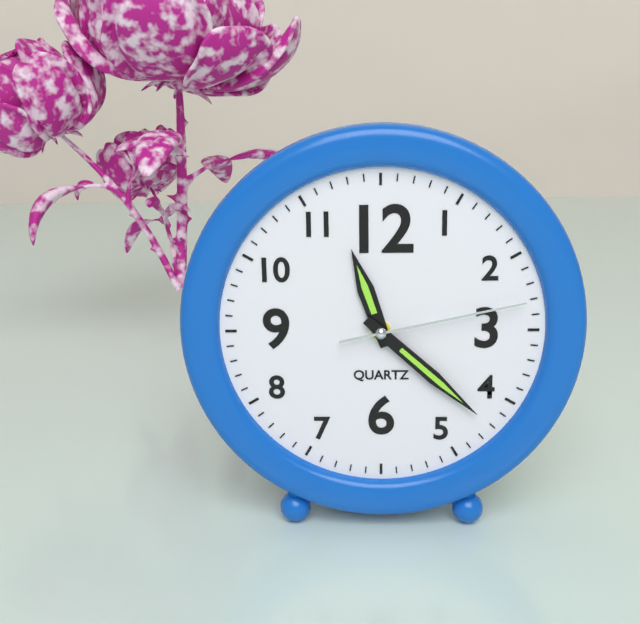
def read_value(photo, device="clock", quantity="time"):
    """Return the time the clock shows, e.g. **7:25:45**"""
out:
**11:22:13**
